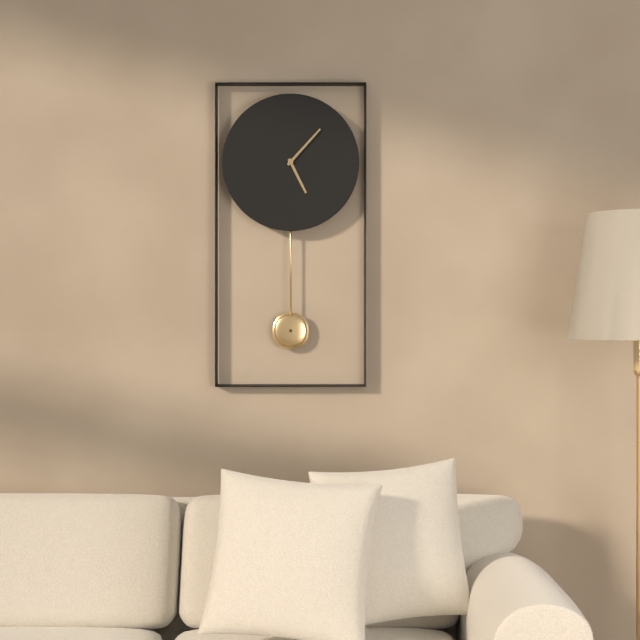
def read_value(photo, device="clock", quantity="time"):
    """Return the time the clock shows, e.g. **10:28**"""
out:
**5:07**
